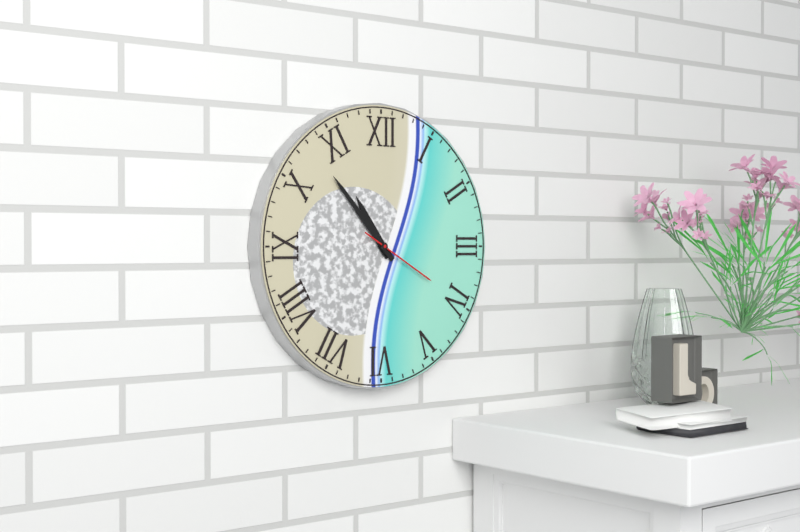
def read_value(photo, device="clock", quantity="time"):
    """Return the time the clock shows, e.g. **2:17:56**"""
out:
**10:53:20**
